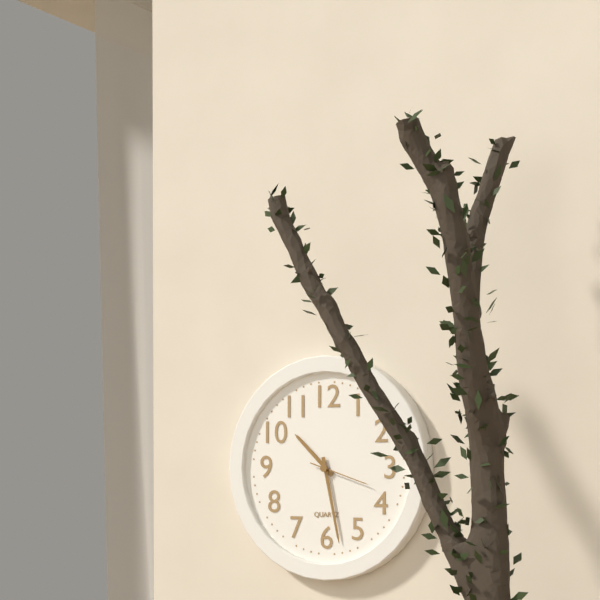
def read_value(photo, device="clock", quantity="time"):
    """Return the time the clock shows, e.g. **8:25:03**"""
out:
**10:28:18**
